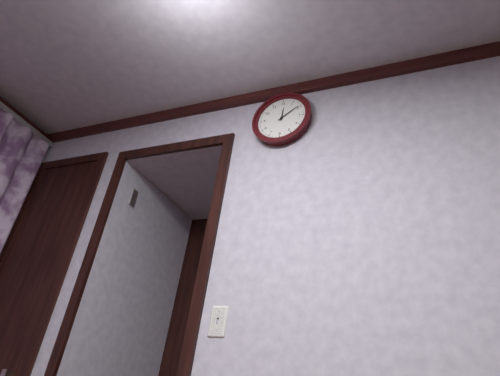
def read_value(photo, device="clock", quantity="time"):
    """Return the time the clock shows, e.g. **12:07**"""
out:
**12:09**
